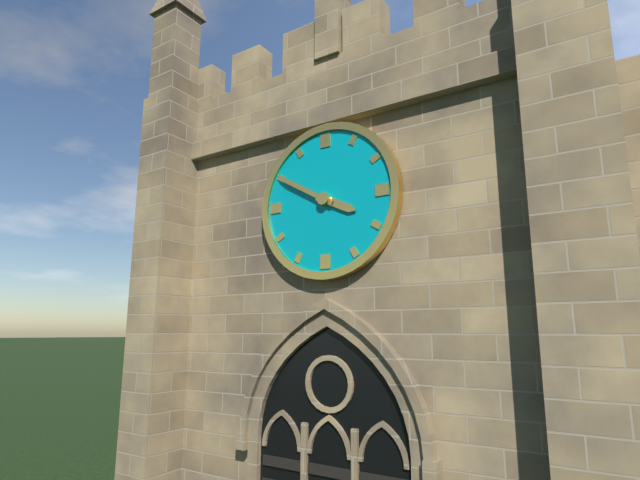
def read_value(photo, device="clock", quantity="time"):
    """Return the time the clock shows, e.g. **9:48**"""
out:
**3:50**
